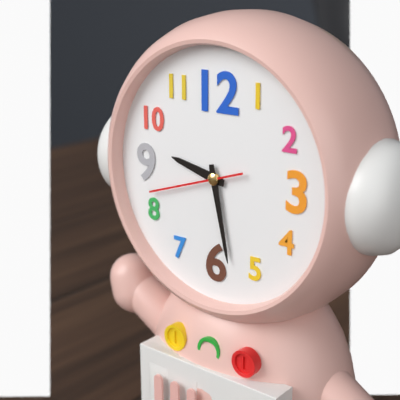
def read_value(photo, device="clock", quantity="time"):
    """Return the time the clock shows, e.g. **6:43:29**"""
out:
**9:28:42**
